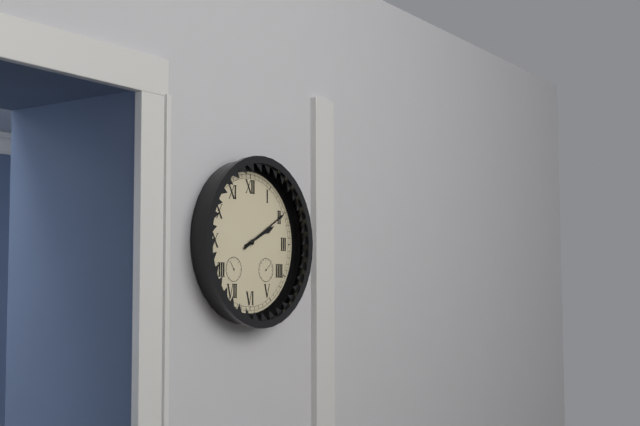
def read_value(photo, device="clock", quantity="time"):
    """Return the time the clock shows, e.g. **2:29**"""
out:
**2:10**
